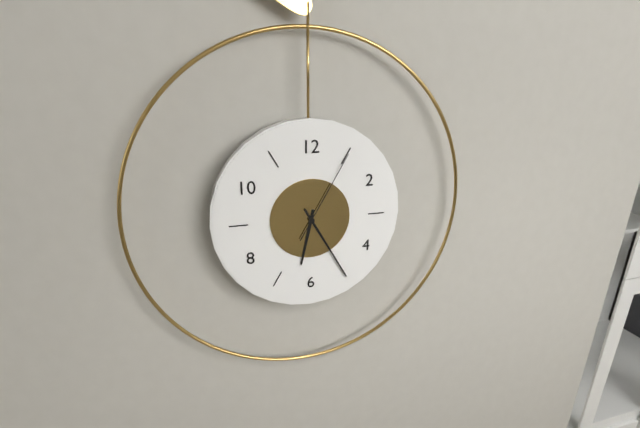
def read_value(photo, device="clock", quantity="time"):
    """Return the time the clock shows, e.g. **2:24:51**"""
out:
**6:25:05**
